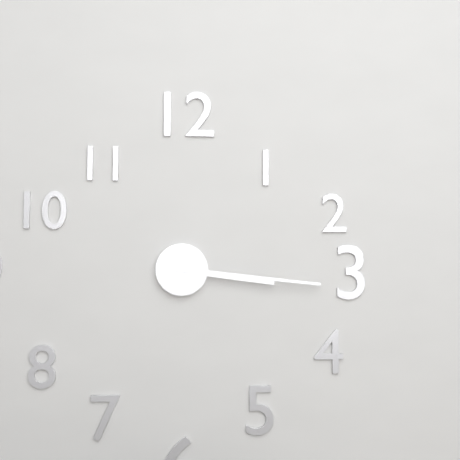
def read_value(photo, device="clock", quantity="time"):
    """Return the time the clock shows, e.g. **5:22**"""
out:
**3:16**
